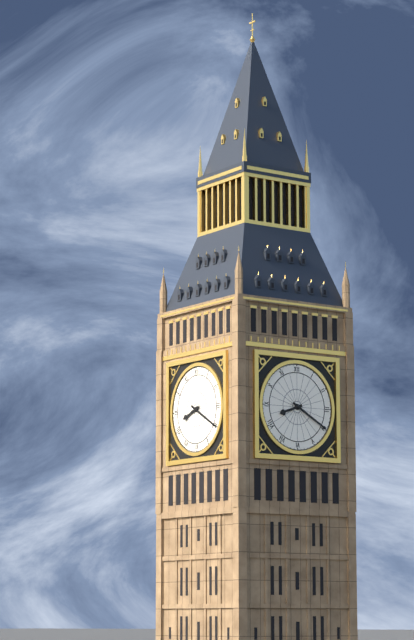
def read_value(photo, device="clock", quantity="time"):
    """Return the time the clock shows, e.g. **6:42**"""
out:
**8:20**
